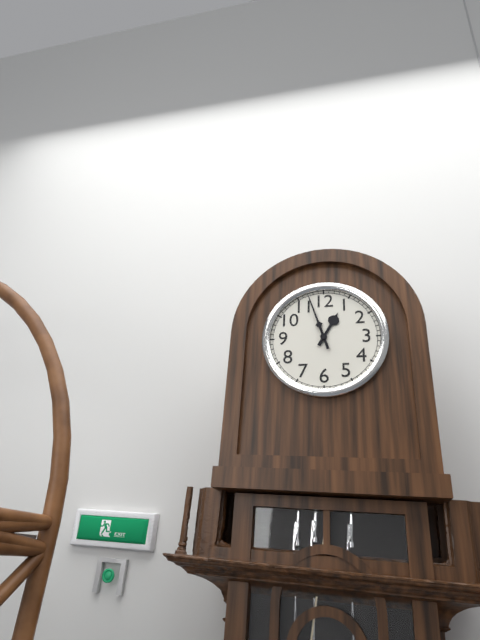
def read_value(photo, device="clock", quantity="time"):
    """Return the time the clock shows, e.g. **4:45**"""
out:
**12:57**
